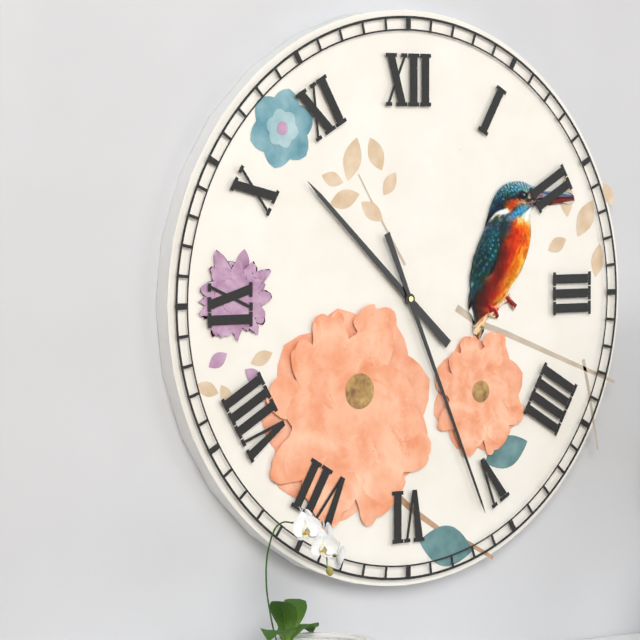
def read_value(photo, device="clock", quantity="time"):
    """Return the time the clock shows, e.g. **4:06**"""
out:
**10:26**
